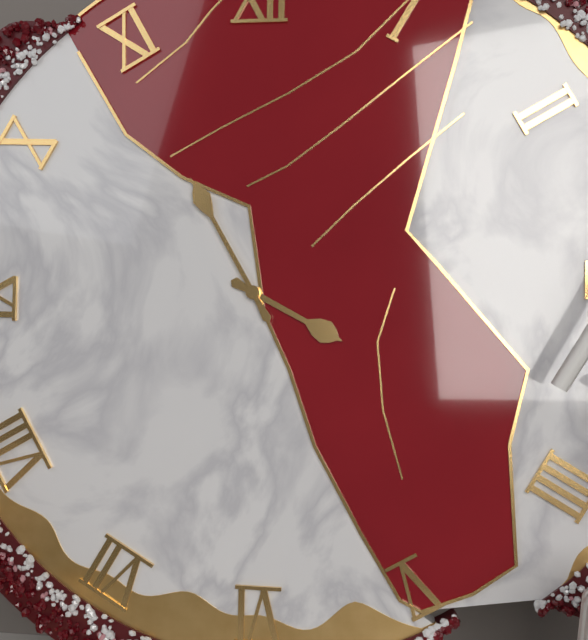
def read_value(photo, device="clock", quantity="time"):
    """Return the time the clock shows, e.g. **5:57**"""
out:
**3:55**
